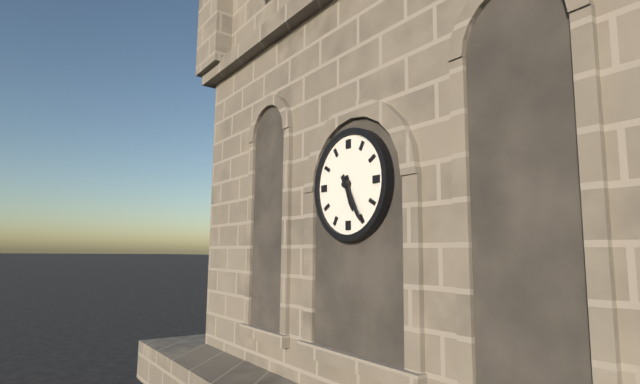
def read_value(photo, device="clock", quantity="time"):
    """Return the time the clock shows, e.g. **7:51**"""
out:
**5:25**
